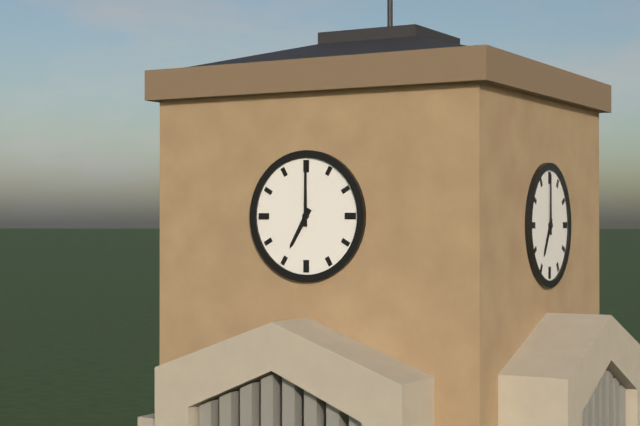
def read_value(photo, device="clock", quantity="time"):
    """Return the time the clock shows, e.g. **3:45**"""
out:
**7:00**
